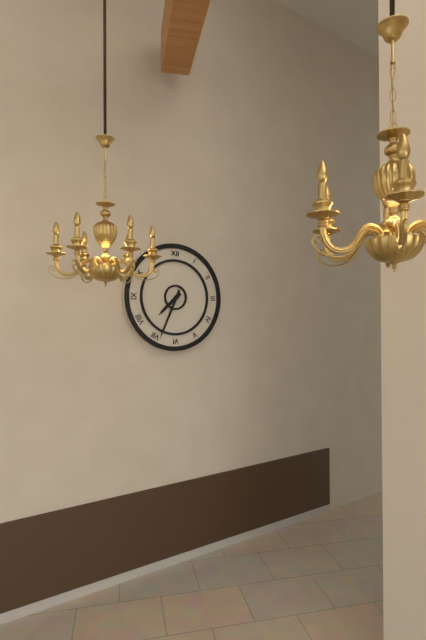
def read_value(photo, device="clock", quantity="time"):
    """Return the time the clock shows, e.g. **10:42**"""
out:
**7:34**
